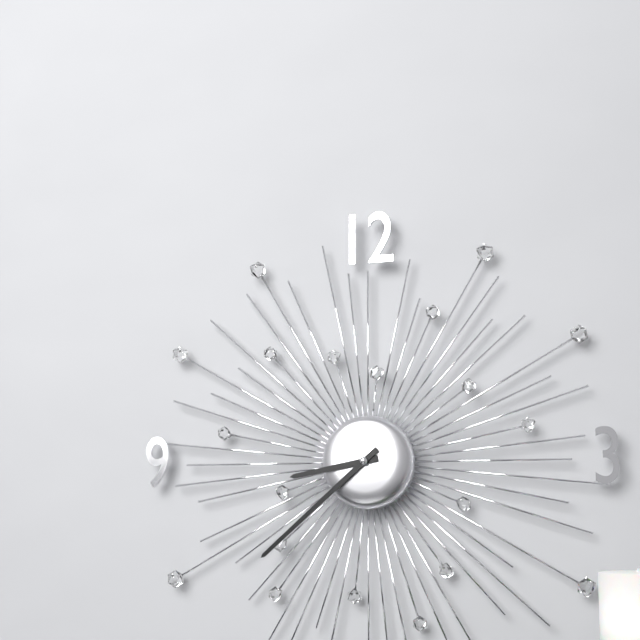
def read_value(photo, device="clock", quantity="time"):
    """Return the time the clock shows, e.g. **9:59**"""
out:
**8:38**
